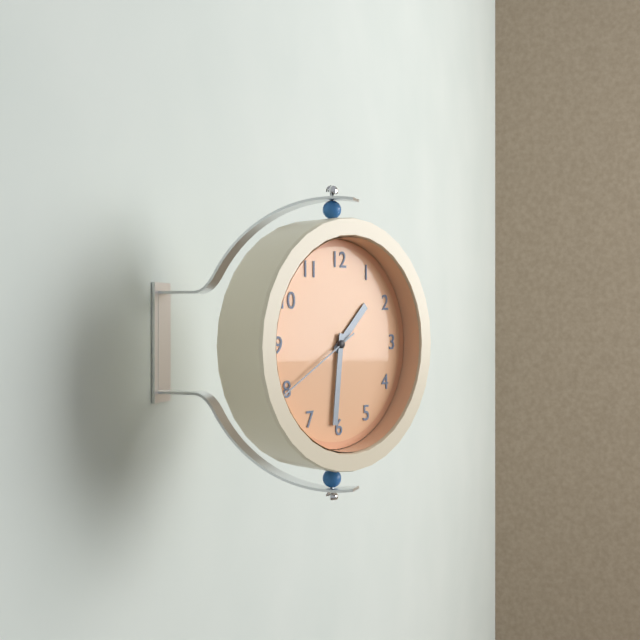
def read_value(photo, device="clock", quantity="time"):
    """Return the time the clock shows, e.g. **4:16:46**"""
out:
**1:31:40**
